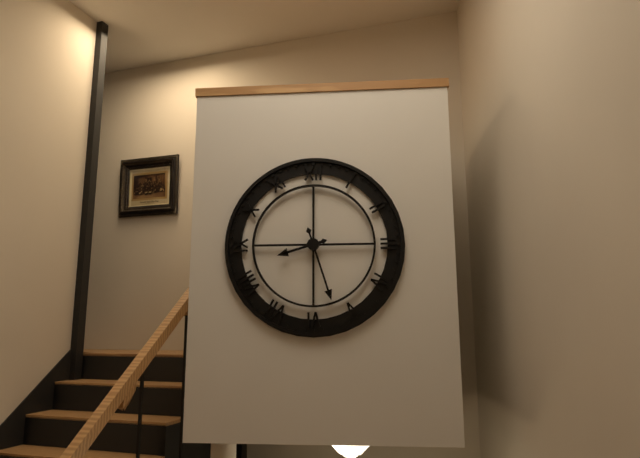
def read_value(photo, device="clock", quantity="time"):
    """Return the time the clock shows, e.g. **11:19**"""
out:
**8:27**
